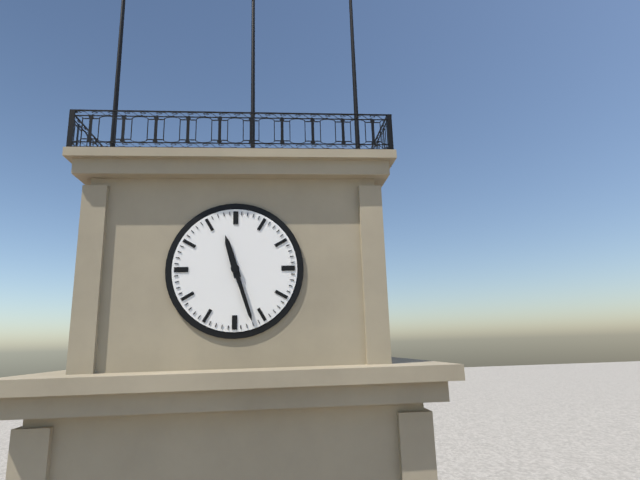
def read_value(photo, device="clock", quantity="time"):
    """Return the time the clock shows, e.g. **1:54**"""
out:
**11:27**
